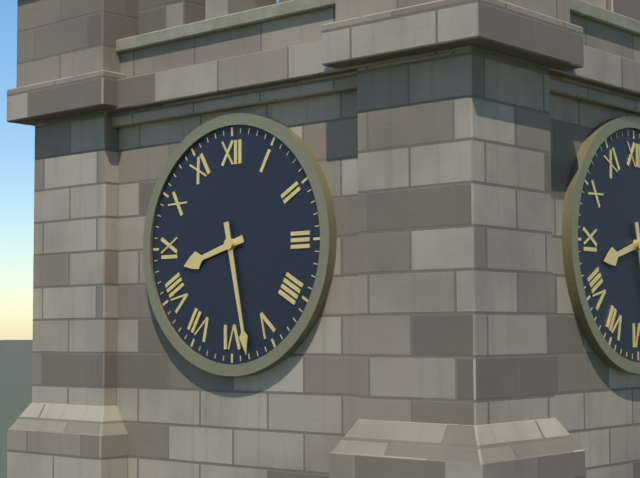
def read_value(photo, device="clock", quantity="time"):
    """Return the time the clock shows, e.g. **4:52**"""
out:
**8:28**
